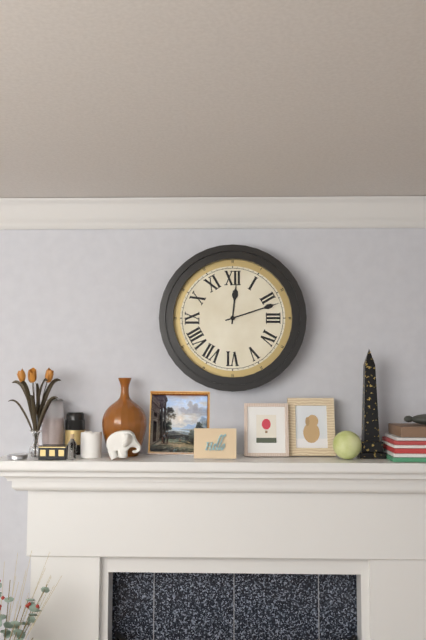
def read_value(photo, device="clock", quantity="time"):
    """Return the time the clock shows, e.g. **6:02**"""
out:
**12:12**
